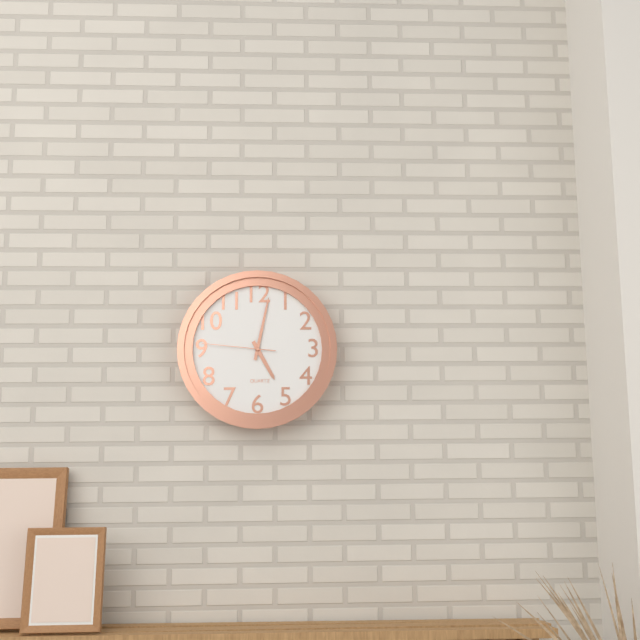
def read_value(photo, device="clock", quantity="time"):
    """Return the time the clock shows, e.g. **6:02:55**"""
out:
**5:02:46**
